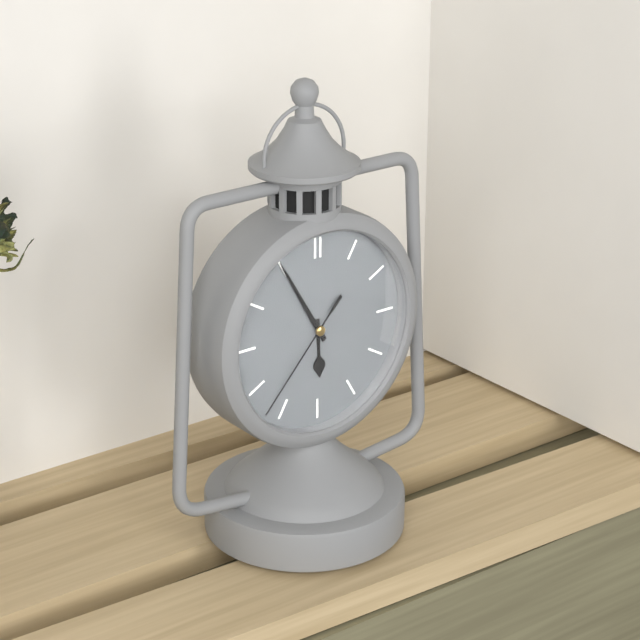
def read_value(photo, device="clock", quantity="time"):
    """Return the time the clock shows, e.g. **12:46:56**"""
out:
**5:55:37**
